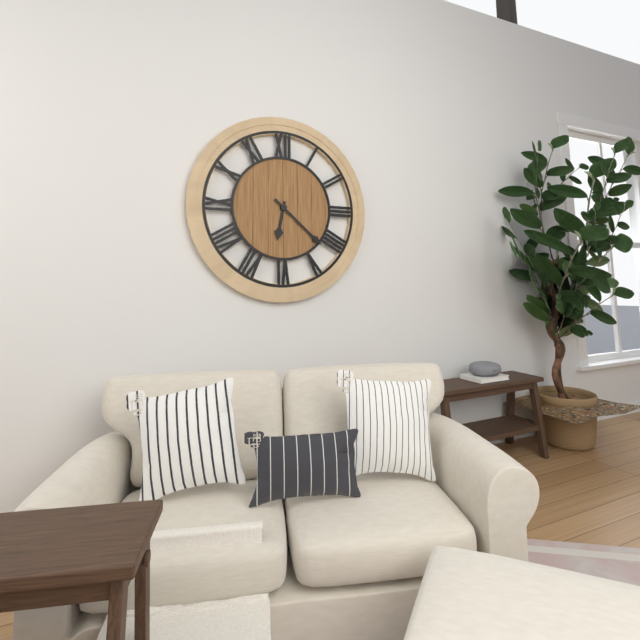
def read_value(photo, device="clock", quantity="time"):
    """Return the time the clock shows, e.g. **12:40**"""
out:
**6:22**
